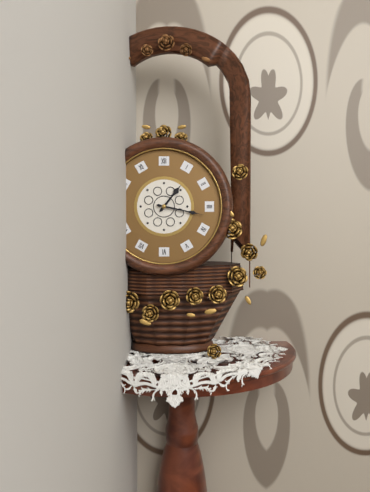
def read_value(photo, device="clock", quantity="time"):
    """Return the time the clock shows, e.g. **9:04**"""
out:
**1:17**
